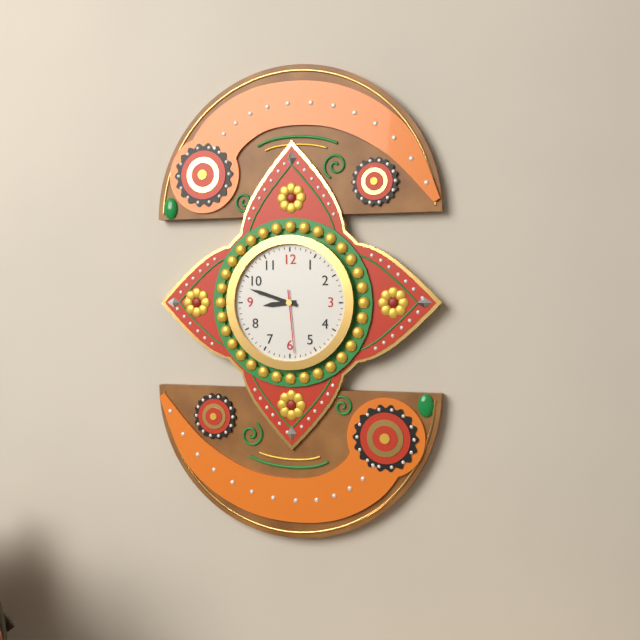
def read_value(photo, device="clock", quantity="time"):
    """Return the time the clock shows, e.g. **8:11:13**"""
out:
**8:48:29**
